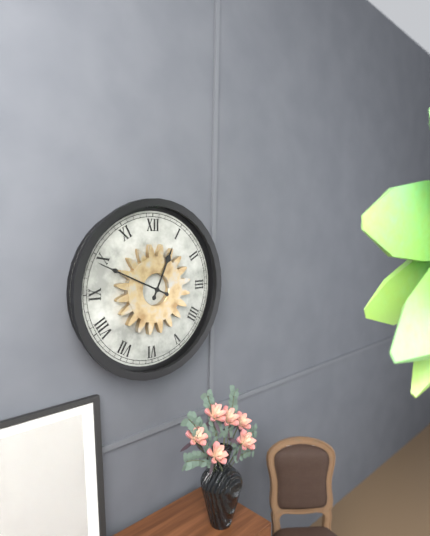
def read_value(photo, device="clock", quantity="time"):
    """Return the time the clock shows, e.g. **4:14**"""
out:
**12:49**
